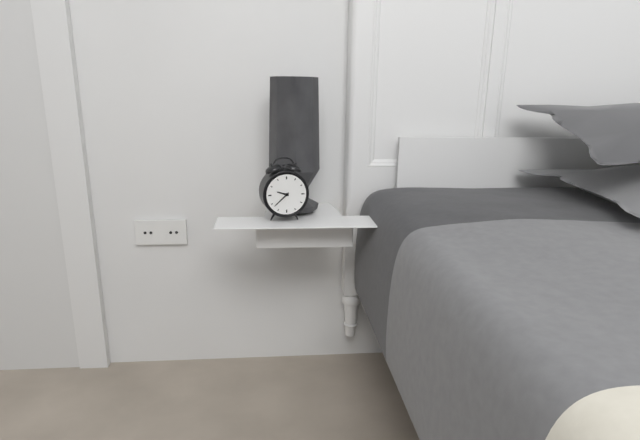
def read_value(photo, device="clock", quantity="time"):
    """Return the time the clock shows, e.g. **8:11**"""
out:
**9:38**
